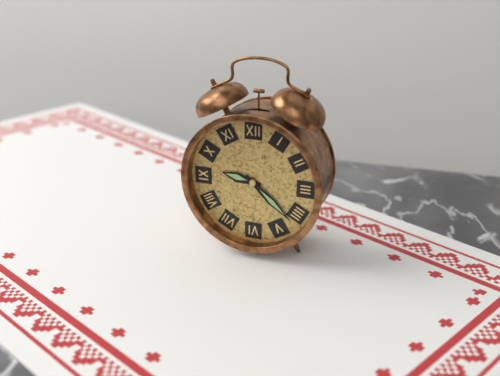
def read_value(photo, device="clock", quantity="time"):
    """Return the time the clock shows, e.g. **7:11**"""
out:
**9:22**
